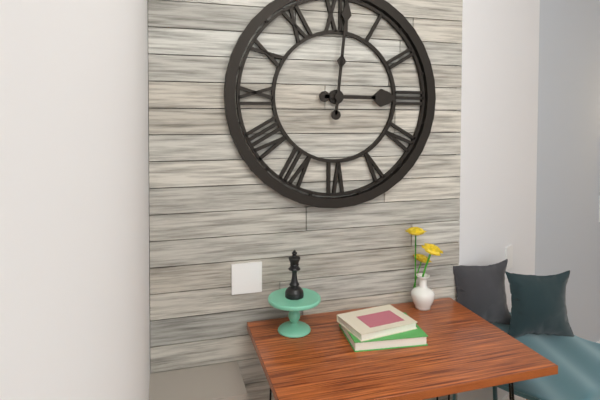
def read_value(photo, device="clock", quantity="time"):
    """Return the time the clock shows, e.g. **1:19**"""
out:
**3:01**
